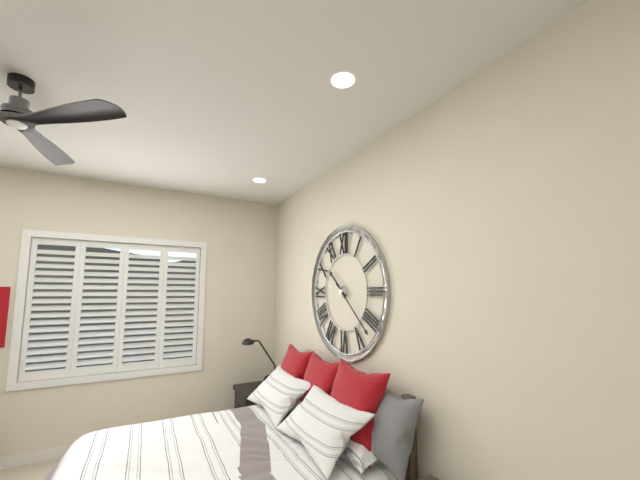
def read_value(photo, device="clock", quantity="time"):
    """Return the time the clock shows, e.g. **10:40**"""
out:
**10:22**
